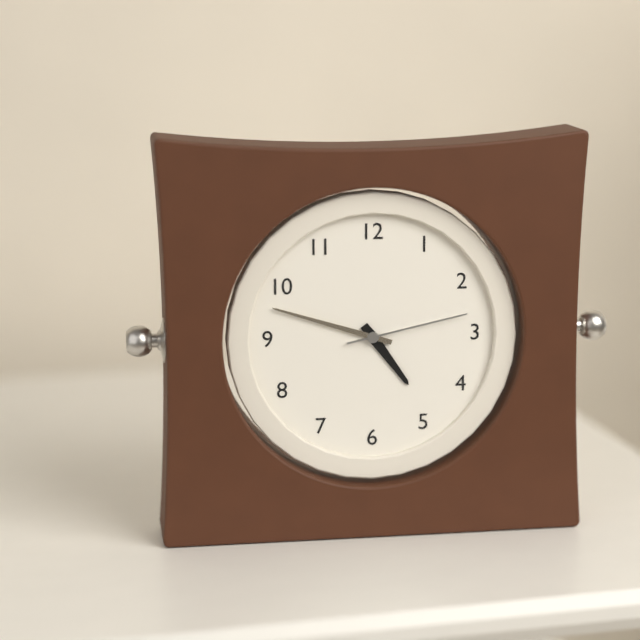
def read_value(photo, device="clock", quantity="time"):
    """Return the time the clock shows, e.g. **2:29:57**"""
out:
**4:48:13**
